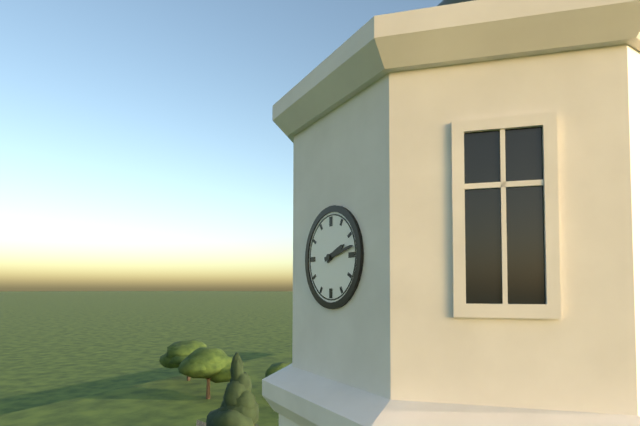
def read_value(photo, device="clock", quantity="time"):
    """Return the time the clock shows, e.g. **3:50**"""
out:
**2:13**
